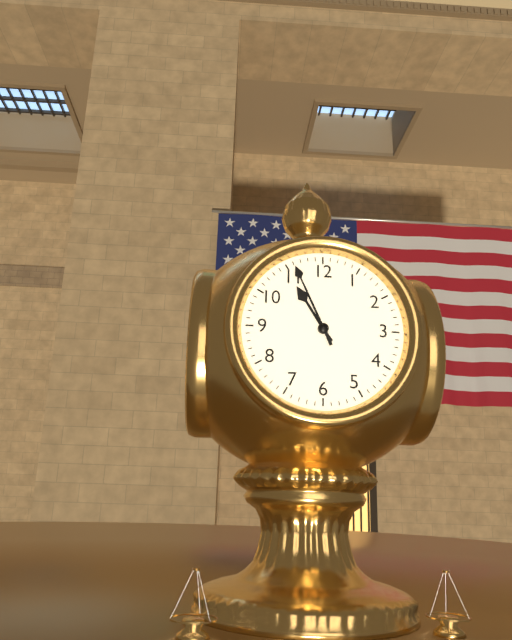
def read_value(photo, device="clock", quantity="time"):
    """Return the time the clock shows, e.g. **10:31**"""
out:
**10:56**
